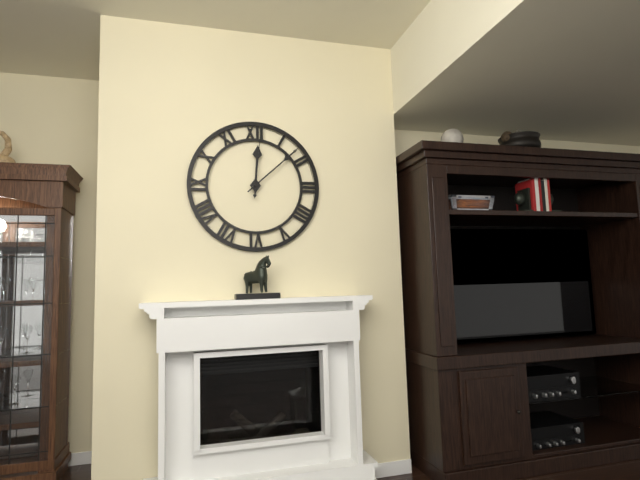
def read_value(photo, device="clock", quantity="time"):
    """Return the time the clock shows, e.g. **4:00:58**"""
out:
**12:08:01**
